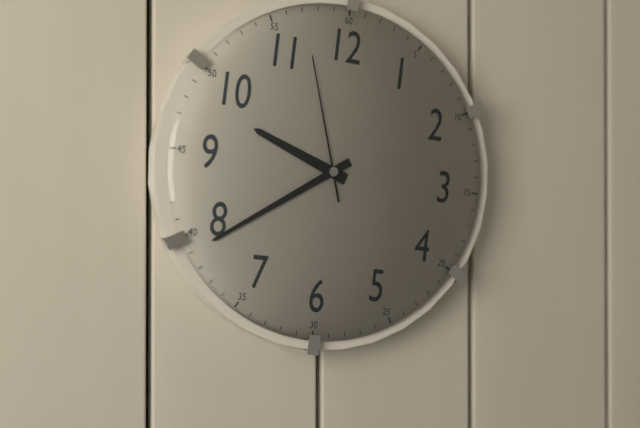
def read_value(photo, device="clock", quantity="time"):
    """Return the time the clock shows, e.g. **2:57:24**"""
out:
**9:39:57**
